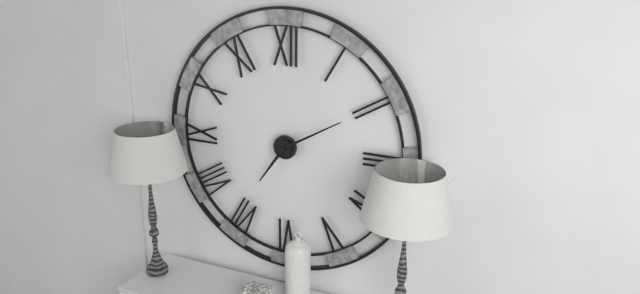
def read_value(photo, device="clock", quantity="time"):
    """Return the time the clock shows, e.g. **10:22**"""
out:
**7:10**
